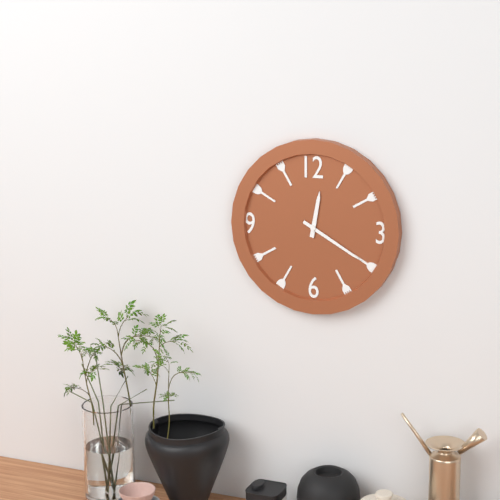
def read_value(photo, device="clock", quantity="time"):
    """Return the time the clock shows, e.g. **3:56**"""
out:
**12:20**
